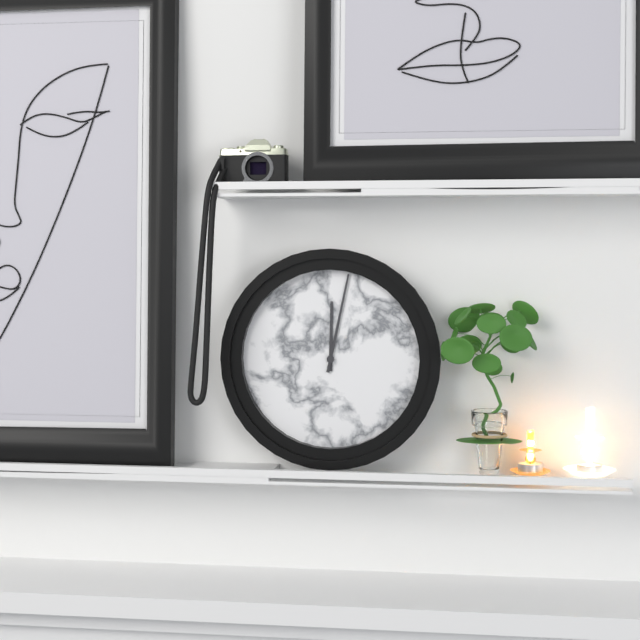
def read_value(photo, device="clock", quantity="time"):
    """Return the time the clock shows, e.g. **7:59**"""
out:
**12:02**
